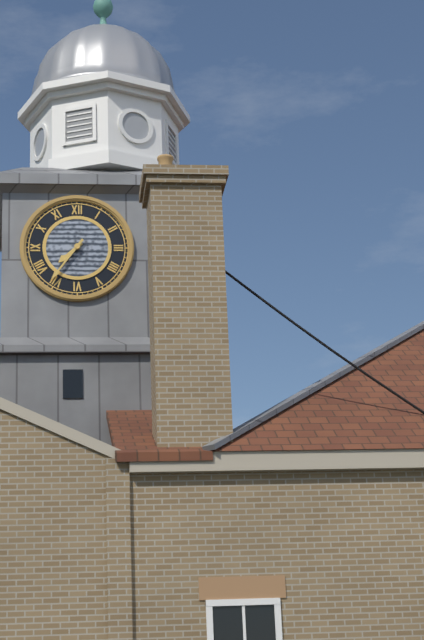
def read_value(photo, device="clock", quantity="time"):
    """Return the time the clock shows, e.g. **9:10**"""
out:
**7:36**
